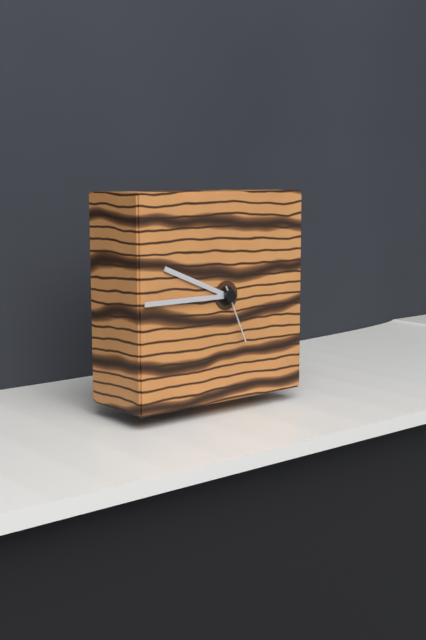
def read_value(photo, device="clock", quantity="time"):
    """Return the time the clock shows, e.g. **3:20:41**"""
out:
**9:45:26**
